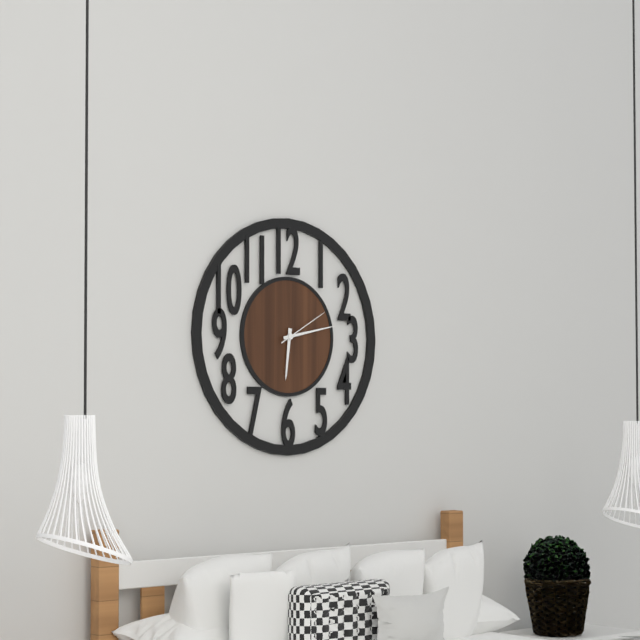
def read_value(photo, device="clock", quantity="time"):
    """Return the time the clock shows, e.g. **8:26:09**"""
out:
**6:13:10**
